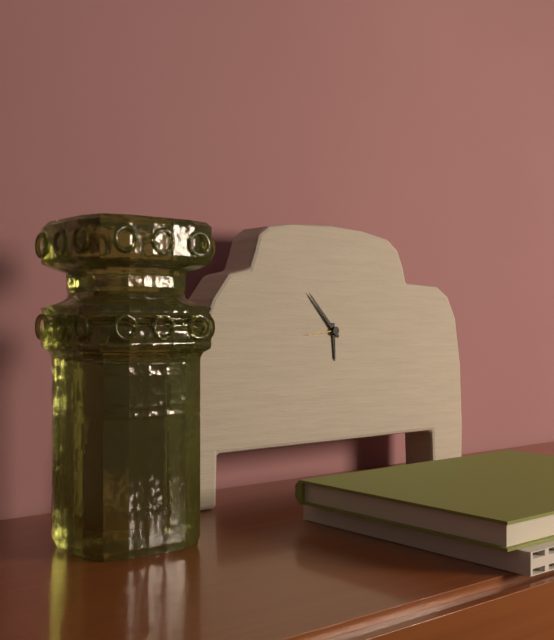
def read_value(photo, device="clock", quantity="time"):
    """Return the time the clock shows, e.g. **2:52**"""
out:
**5:53**
